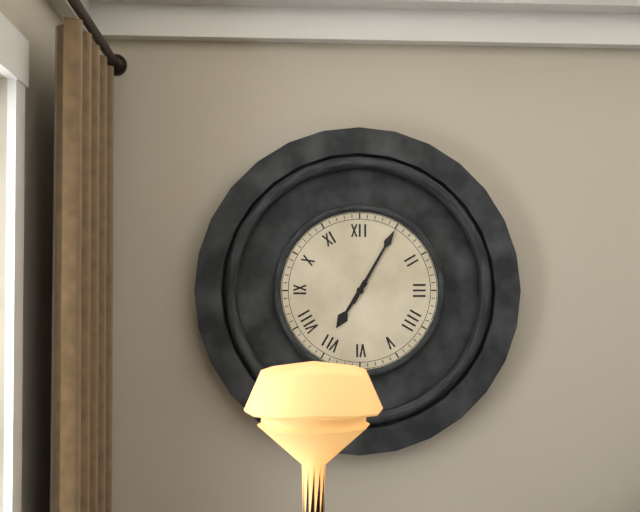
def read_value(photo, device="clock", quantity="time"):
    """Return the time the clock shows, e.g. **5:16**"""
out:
**7:05**
